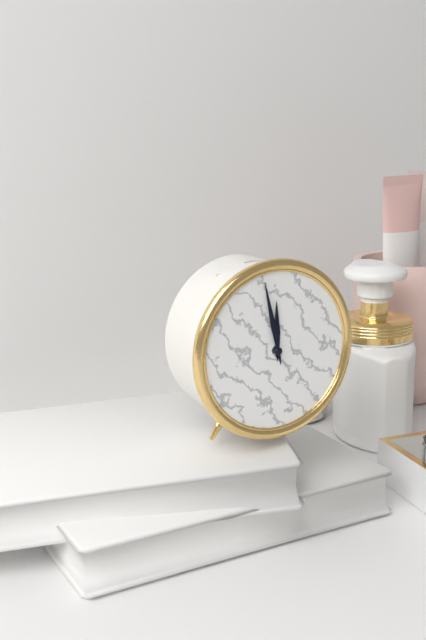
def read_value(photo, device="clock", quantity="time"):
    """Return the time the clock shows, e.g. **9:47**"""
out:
**11:58**
